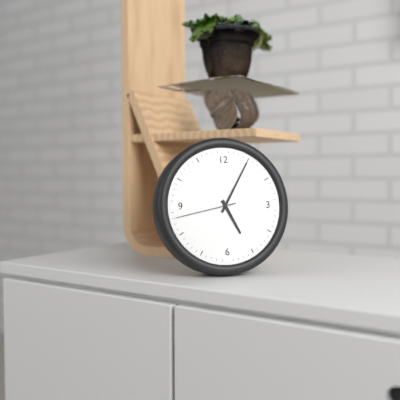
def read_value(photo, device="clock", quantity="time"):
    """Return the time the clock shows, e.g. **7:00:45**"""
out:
**5:05:43**
